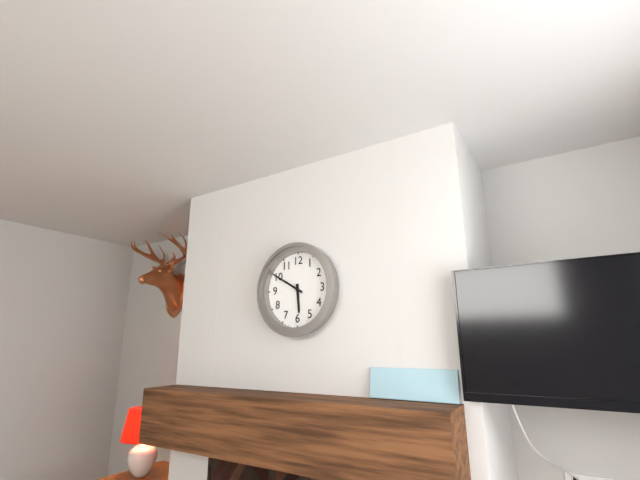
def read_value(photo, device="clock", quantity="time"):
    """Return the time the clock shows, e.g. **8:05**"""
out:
**5:50**
